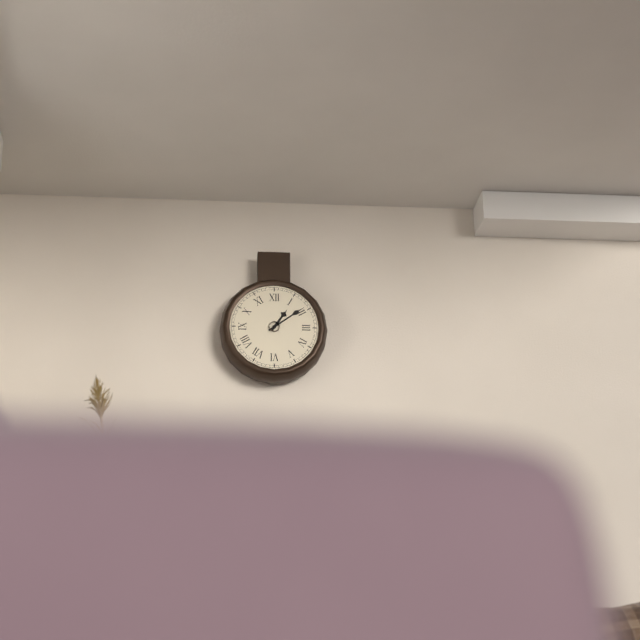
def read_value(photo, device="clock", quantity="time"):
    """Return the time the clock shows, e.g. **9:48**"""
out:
**1:09**
